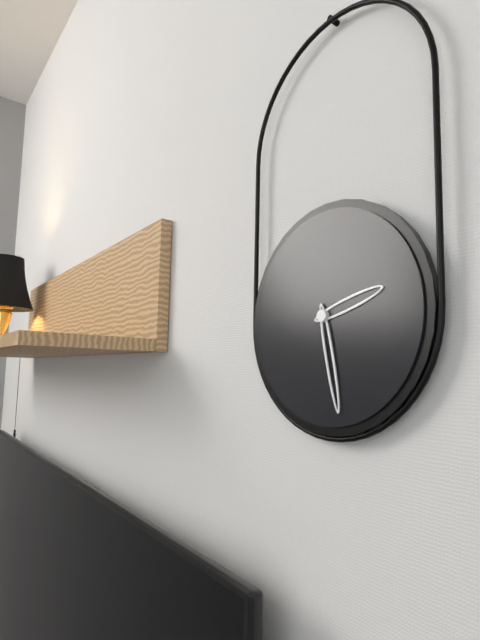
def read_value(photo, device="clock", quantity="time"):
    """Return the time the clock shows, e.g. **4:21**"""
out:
**2:28**
